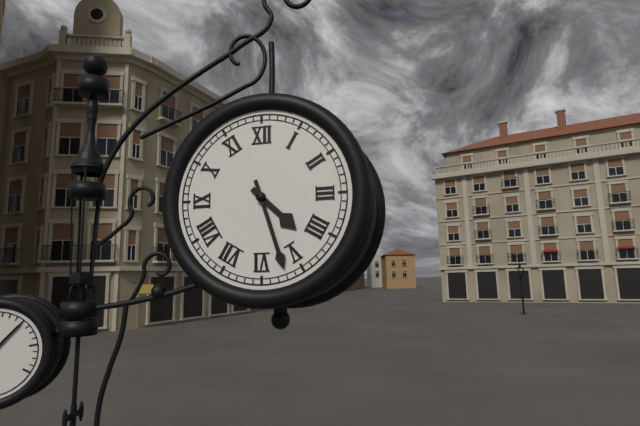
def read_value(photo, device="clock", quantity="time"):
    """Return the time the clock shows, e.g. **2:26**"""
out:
**4:27**
